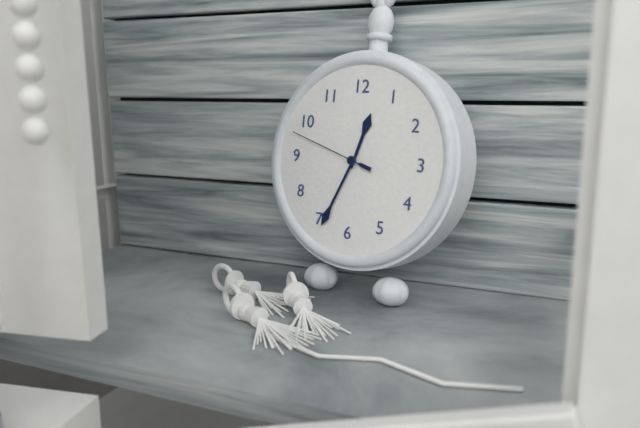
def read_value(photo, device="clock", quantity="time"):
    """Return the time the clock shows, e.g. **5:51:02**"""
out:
**12:34:48**
